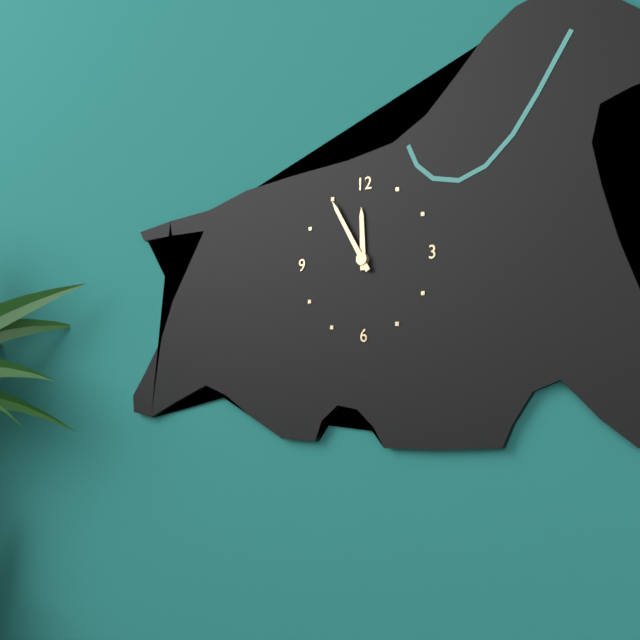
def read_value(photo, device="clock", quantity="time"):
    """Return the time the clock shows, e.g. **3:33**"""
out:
**11:55**
